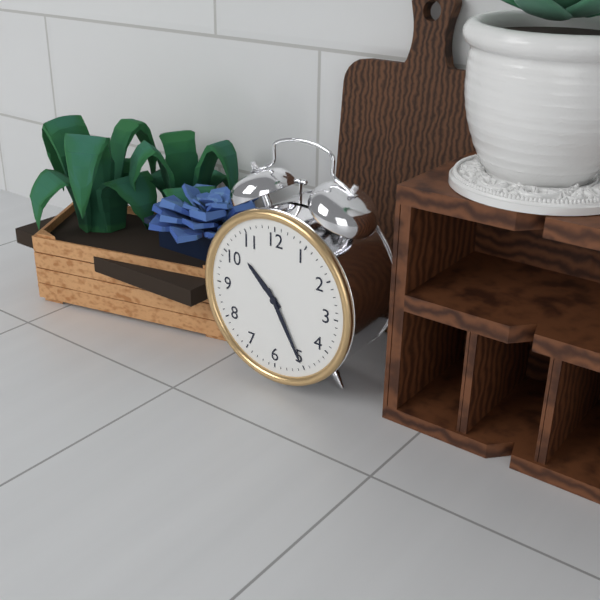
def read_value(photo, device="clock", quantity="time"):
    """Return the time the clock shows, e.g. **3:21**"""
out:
**10:25**
